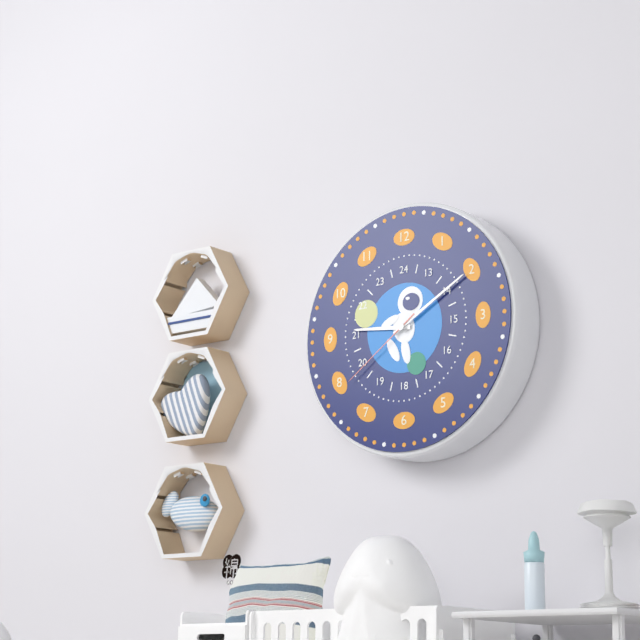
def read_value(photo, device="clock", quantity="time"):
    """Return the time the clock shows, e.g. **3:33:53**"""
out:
**9:10:39**
